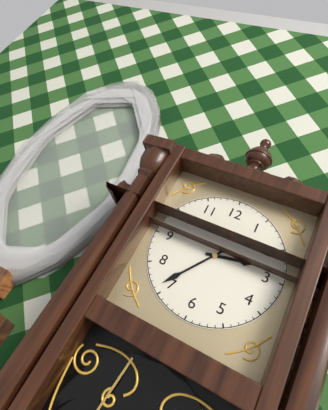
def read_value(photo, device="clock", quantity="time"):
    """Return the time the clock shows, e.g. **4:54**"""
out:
**2:36**
